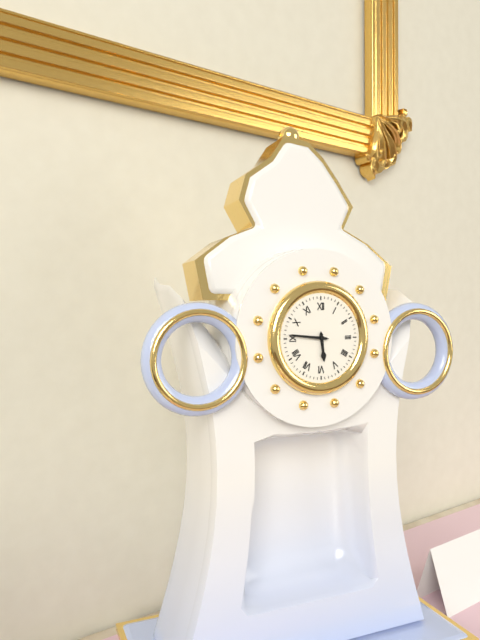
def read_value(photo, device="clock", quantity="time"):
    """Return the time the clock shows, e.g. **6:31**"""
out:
**5:46**
